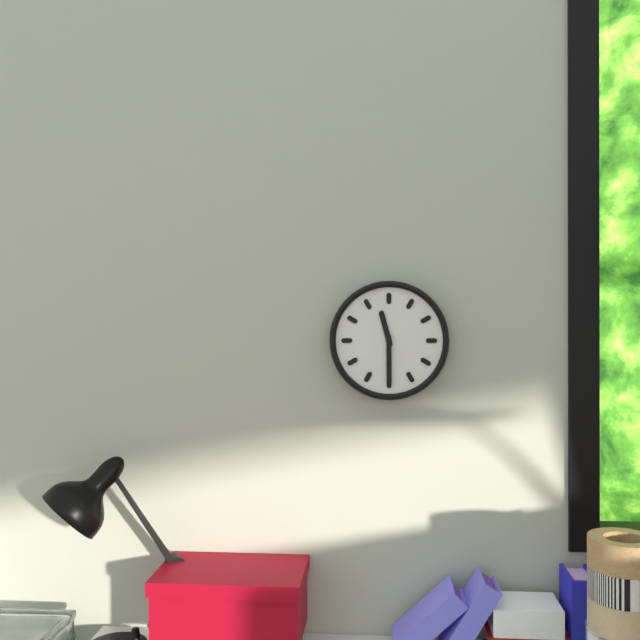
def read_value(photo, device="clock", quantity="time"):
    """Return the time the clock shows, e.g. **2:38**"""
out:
**11:30**
